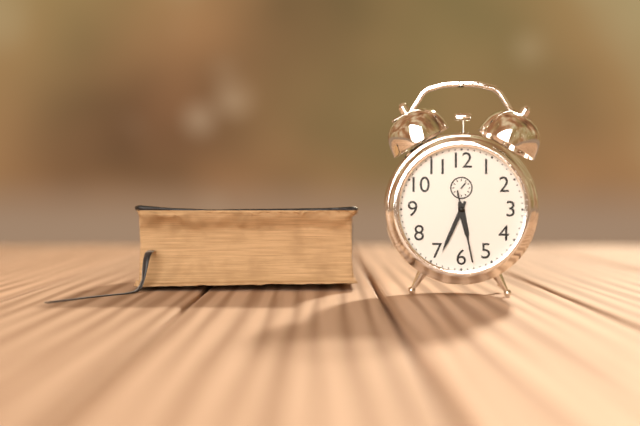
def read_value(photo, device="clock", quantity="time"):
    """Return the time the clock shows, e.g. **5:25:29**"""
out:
**5:34:28**
